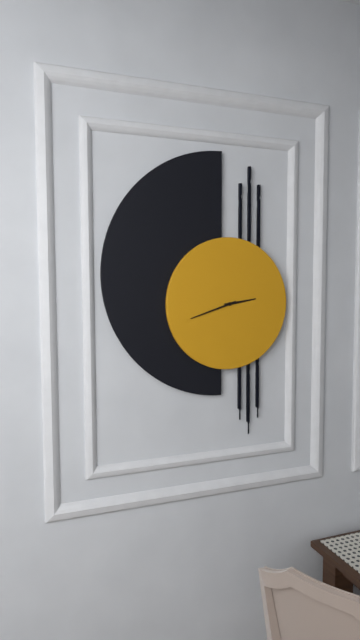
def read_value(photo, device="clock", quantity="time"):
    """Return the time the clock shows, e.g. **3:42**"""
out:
**2:42**
